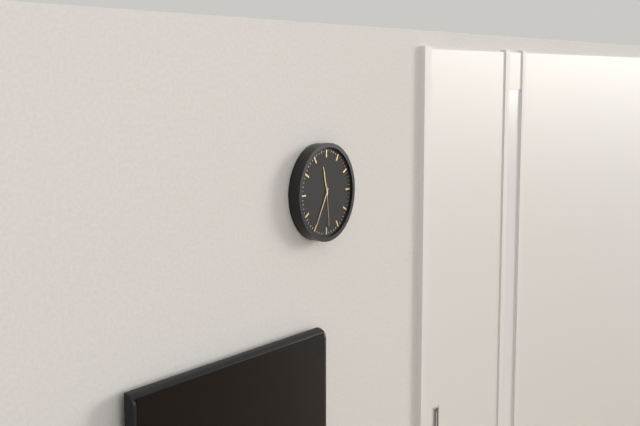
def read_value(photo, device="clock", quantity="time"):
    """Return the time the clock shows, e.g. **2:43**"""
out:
**11:35**
